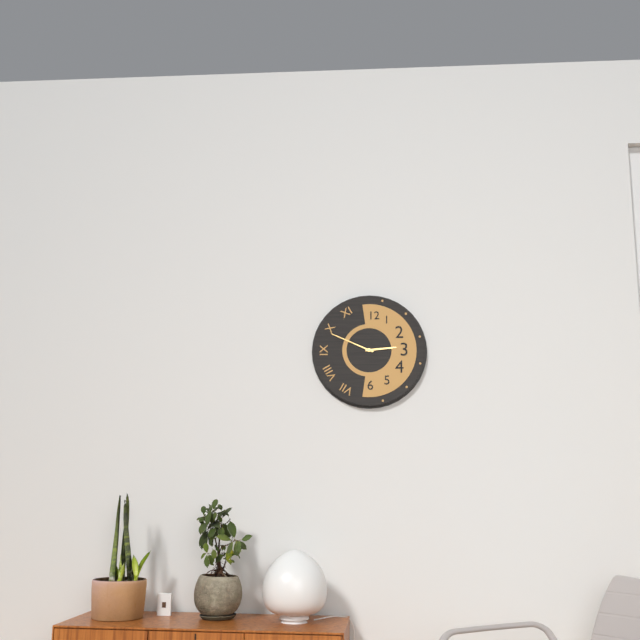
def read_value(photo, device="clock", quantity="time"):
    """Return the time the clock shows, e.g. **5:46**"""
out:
**2:49**
